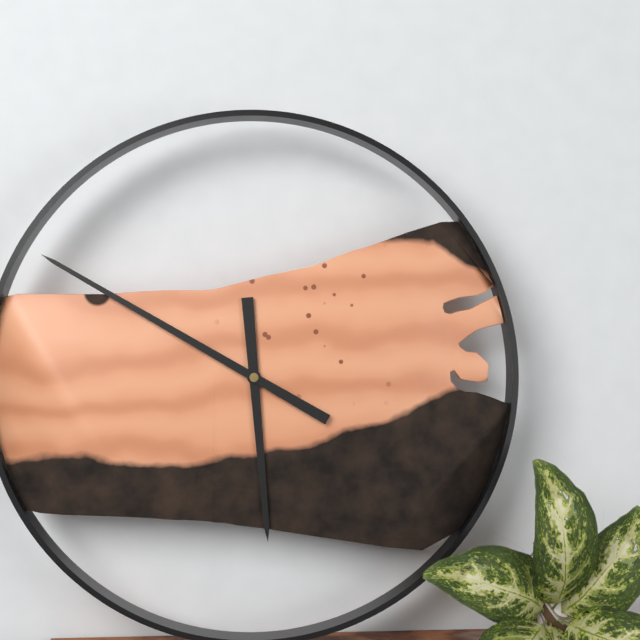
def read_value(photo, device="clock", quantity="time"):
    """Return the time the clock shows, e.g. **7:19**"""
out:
**5:50**
